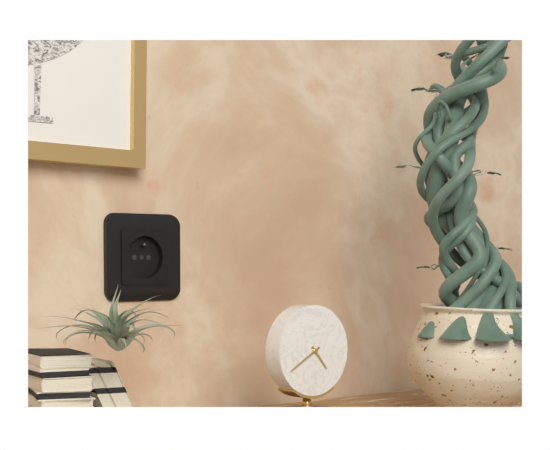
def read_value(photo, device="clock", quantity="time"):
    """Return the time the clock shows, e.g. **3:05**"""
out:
**4:40**
